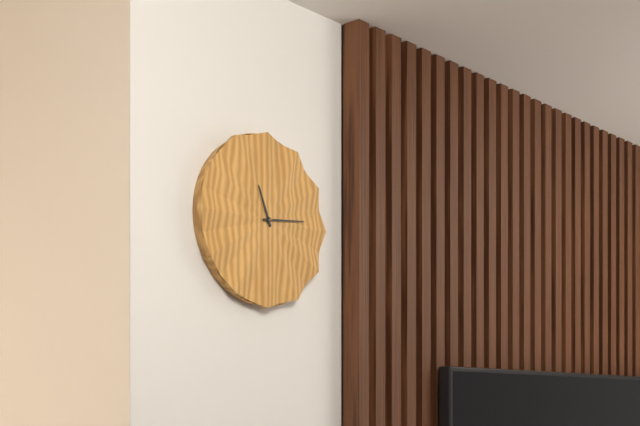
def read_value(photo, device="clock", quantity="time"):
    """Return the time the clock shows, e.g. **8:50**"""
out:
**11:14**
